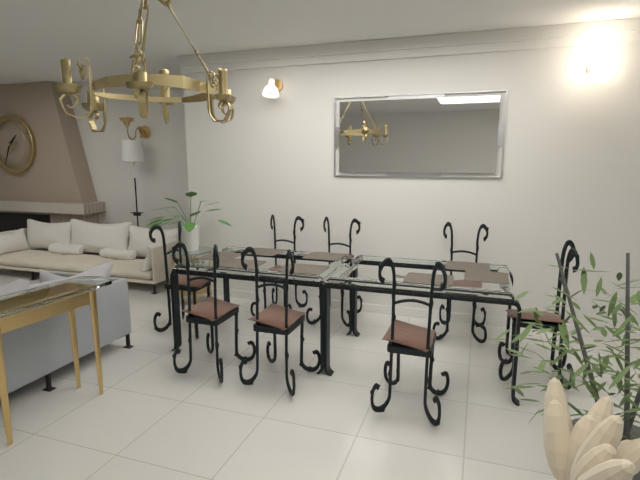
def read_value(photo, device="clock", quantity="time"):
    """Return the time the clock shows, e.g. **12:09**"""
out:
**1:34**
